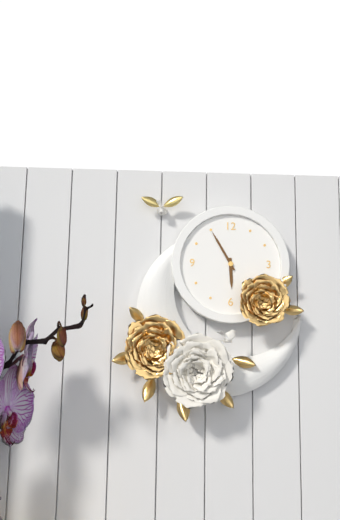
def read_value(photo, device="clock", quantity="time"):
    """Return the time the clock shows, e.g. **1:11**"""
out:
**5:55**
